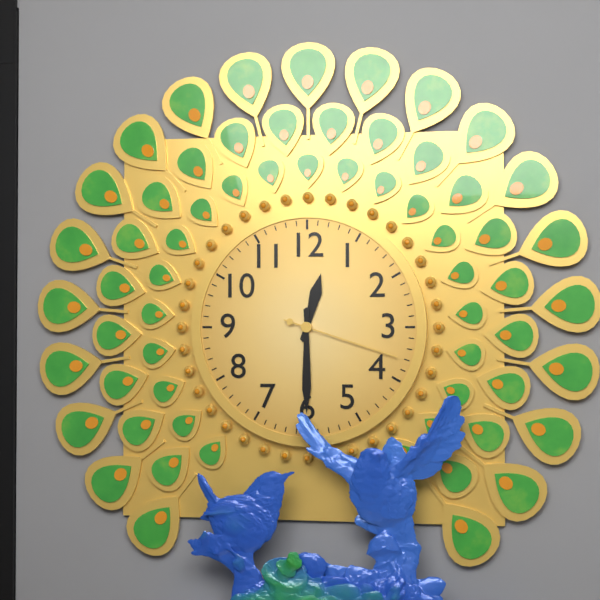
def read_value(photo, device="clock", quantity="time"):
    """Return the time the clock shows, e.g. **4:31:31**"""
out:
**12:30:18**
